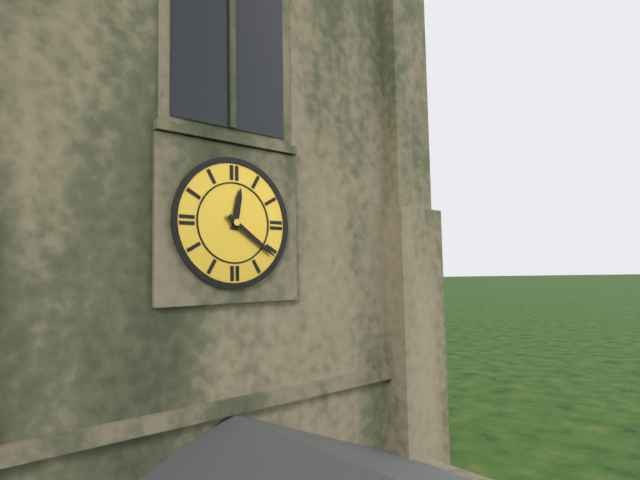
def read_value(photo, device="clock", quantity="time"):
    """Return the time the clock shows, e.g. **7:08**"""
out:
**12:21**
